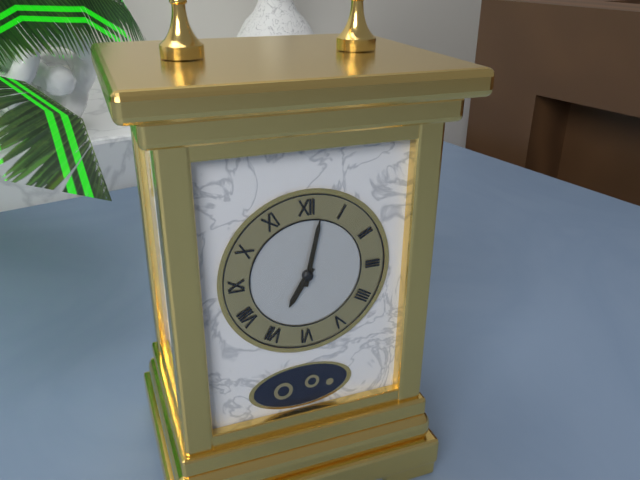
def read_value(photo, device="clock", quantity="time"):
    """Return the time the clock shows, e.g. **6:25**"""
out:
**7:02**
